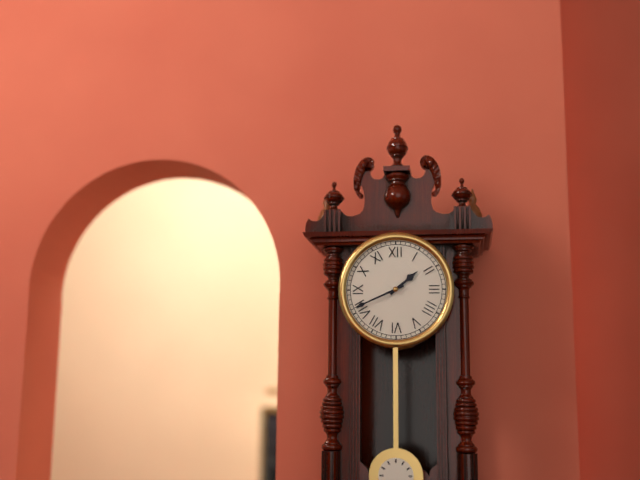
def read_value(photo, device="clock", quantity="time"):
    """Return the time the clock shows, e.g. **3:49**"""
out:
**1:41**
